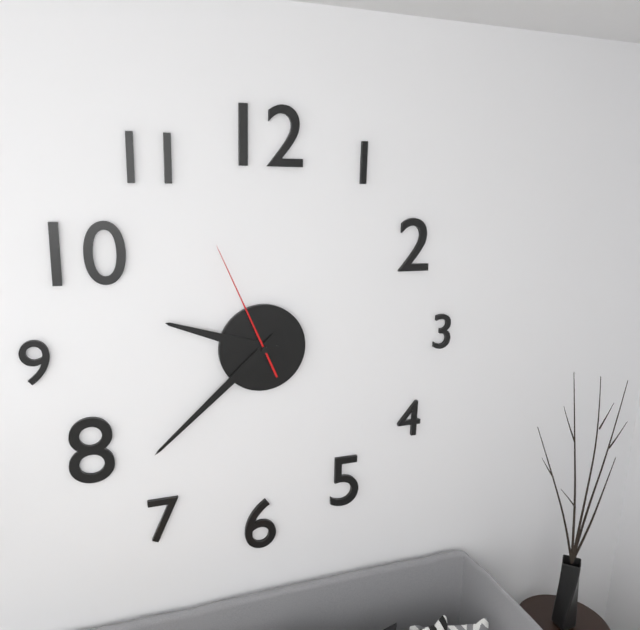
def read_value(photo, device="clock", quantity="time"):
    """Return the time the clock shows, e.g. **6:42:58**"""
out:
**9:38:56**
